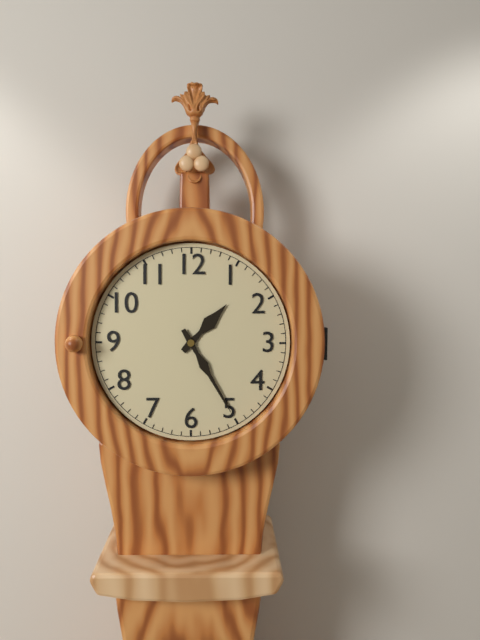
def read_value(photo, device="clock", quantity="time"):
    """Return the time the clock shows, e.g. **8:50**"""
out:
**1:25**
